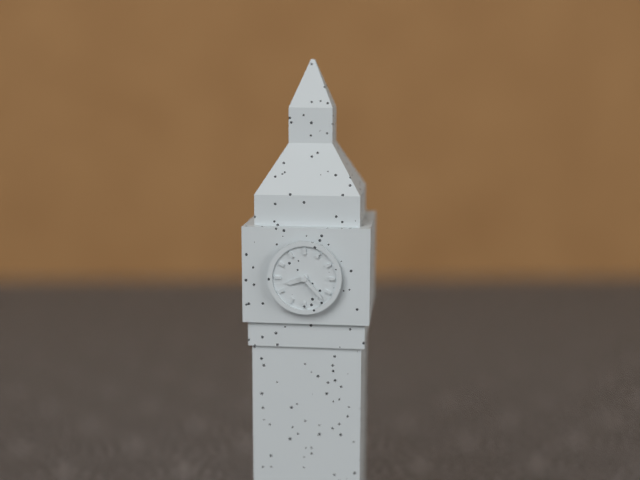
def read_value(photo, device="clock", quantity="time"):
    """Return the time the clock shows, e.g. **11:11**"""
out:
**8:23**
